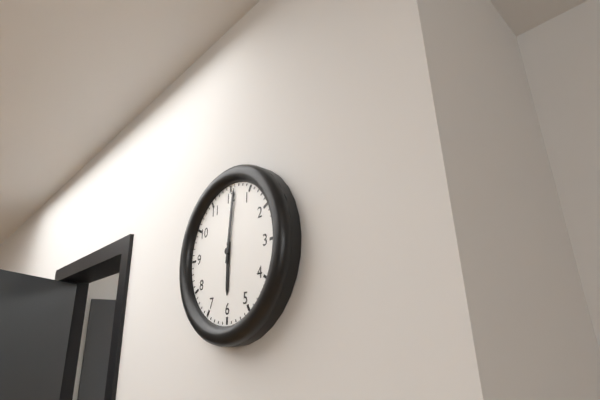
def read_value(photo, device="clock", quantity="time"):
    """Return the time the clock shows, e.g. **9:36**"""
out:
**6:01**
